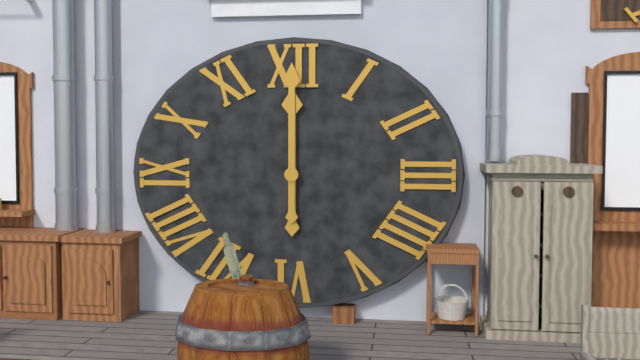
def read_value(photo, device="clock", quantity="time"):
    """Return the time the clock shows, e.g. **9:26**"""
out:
**12:00**
